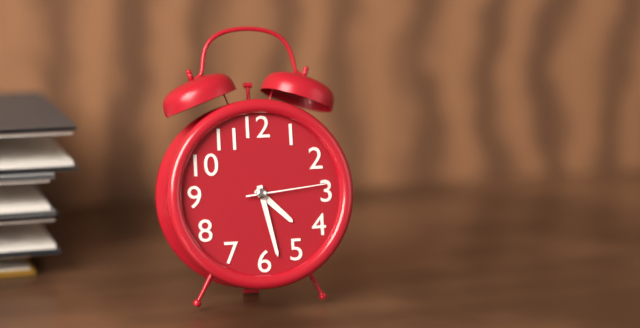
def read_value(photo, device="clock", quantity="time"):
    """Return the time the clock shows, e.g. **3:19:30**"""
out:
**4:28:14**
